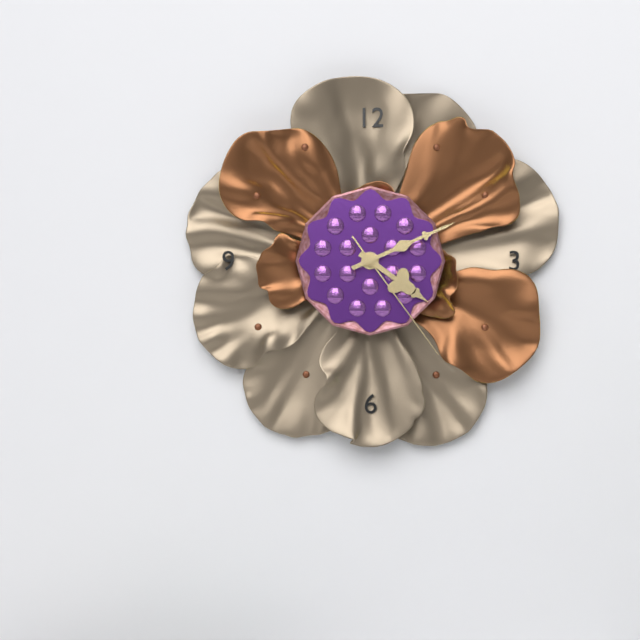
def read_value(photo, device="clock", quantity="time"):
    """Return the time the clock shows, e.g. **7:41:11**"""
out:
**4:11:24**
